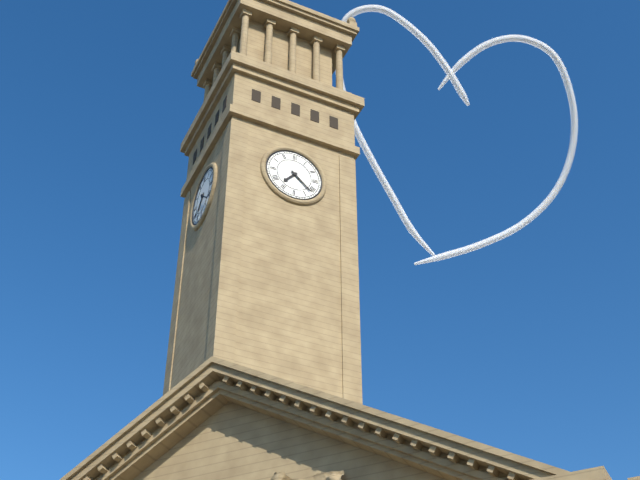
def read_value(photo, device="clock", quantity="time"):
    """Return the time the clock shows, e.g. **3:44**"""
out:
**7:22**
